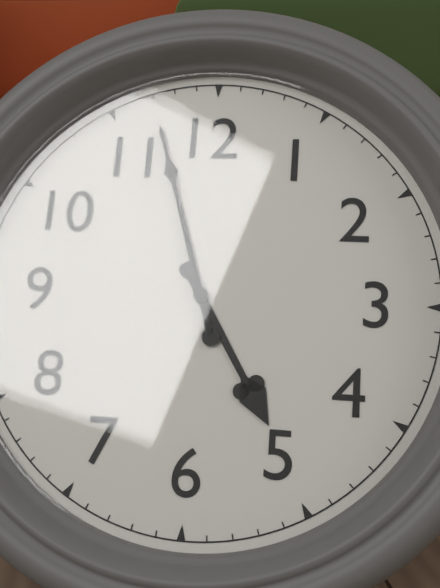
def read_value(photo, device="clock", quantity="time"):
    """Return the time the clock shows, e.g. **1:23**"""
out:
**4:57**
